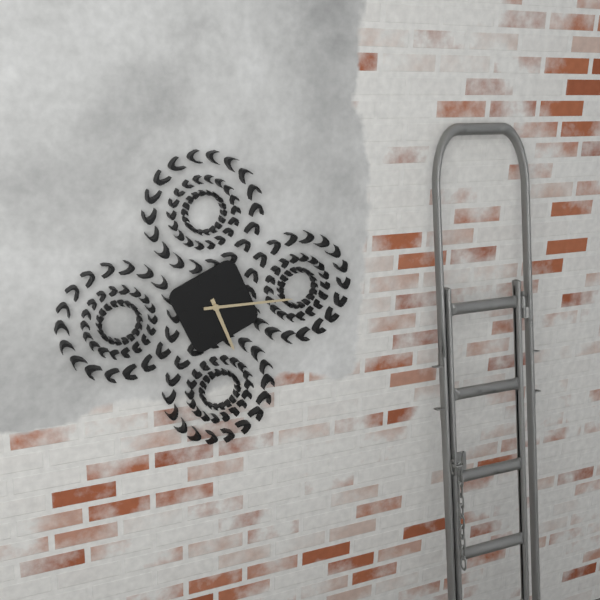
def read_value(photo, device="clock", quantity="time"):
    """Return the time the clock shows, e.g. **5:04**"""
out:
**5:15**
